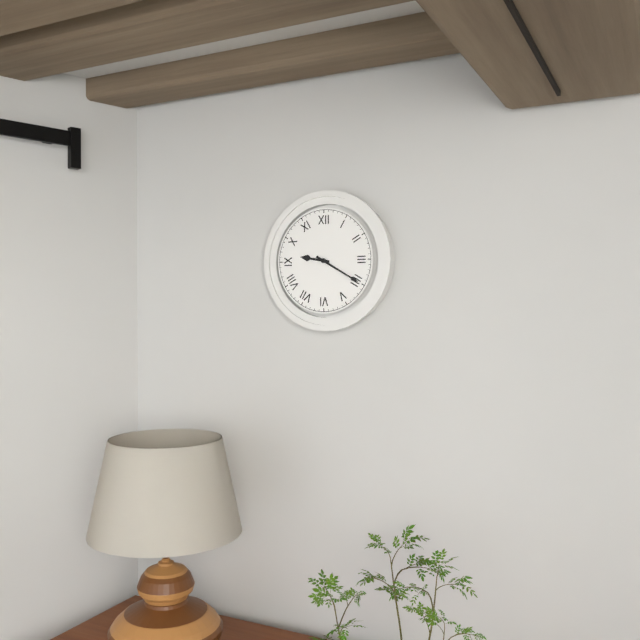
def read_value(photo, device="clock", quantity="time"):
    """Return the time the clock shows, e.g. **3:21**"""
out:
**9:20**
